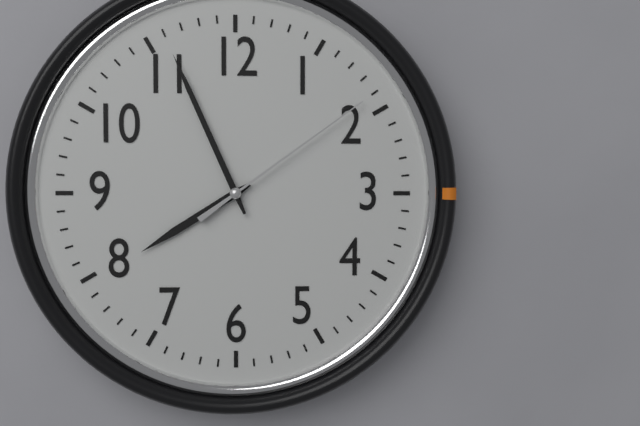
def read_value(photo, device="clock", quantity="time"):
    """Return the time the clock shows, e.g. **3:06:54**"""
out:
**7:56:09**
